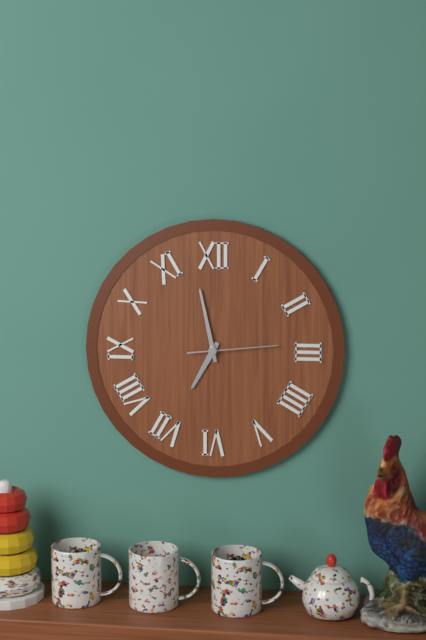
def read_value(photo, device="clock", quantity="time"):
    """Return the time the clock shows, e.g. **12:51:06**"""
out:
**6:58:14**
